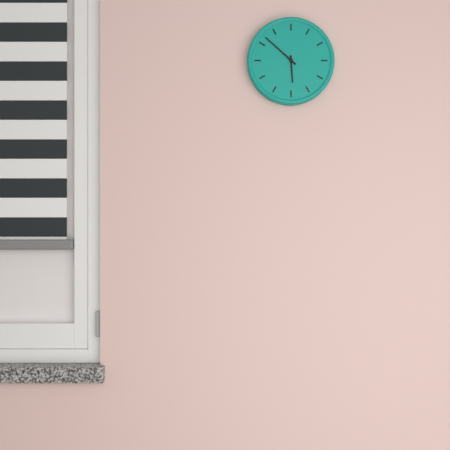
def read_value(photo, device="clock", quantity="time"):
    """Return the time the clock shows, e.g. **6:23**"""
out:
**5:52**
